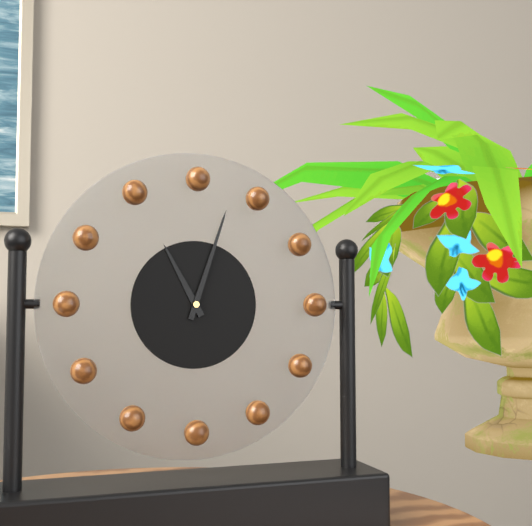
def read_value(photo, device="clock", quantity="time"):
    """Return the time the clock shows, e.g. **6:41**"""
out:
**11:03**
